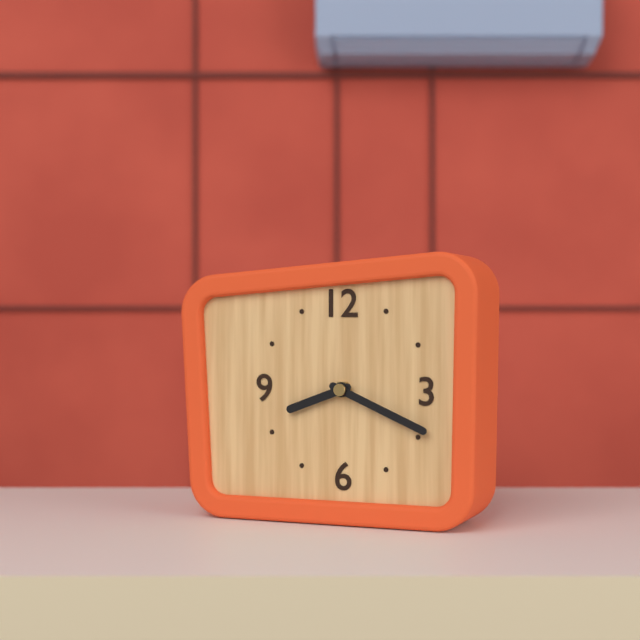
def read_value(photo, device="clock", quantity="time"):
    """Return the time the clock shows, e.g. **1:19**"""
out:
**8:19**
